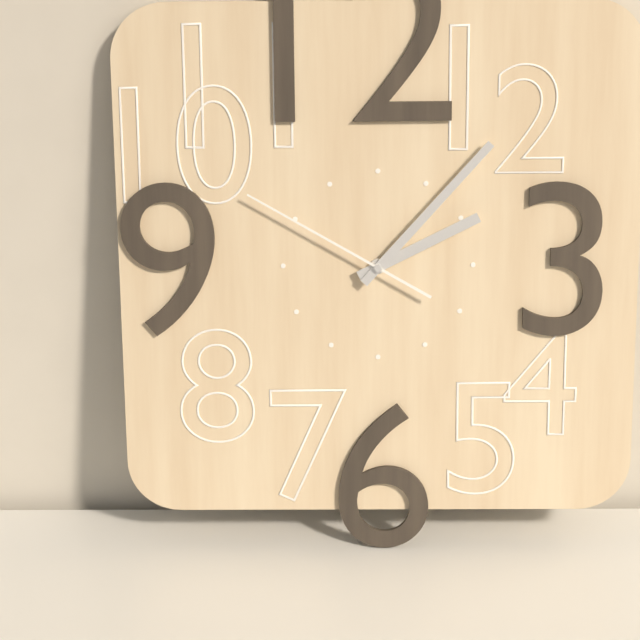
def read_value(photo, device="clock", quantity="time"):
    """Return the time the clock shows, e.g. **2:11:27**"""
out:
**2:07:50**
